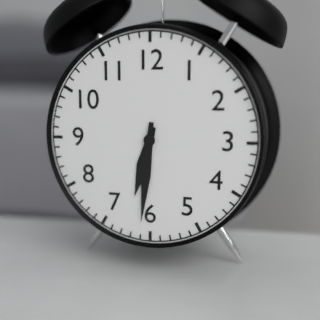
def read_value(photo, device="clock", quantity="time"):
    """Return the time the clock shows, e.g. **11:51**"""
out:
**6:31**
